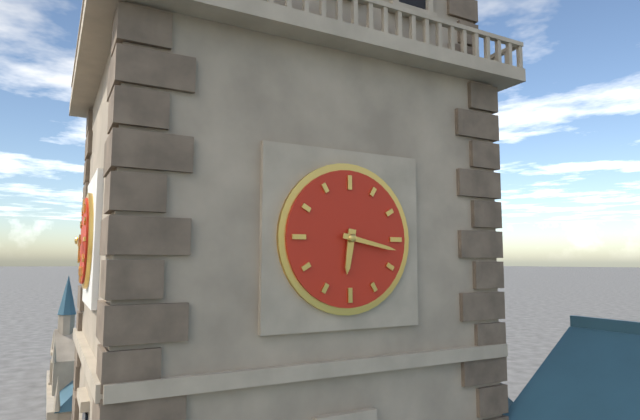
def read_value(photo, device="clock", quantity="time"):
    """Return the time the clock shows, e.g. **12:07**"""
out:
**6:17**
